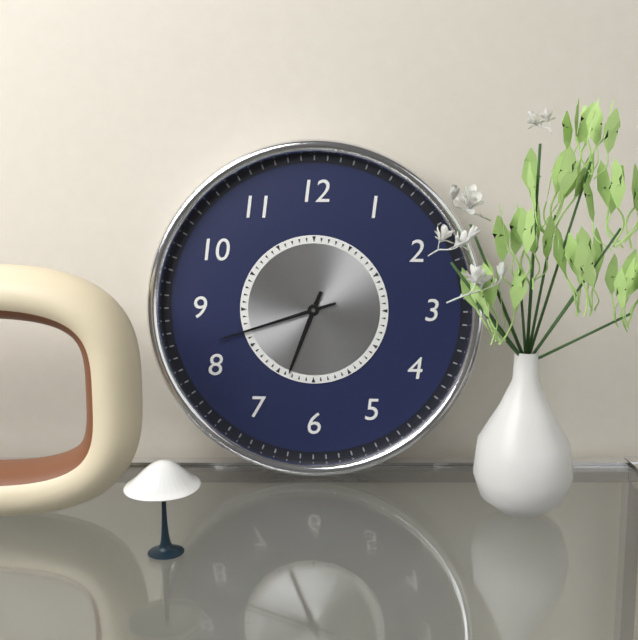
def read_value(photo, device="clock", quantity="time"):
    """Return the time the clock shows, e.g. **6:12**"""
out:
**6:42**
